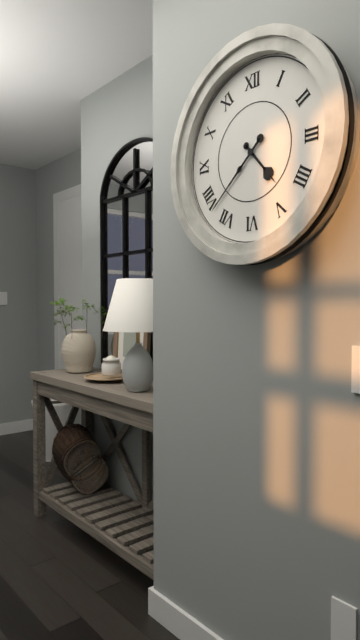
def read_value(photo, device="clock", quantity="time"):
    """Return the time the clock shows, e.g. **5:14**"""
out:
**4:38**
